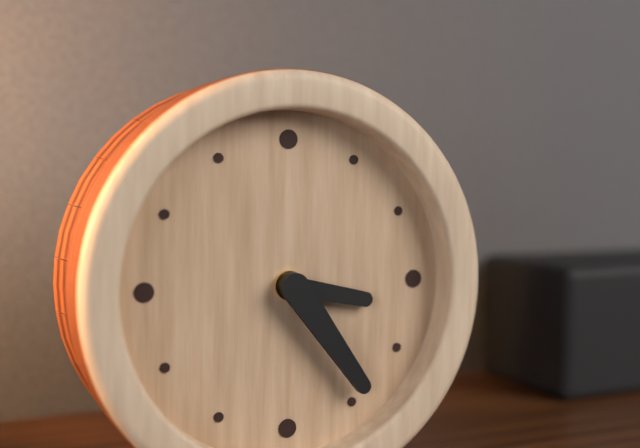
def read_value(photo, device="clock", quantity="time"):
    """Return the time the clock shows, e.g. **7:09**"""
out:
**3:24**
